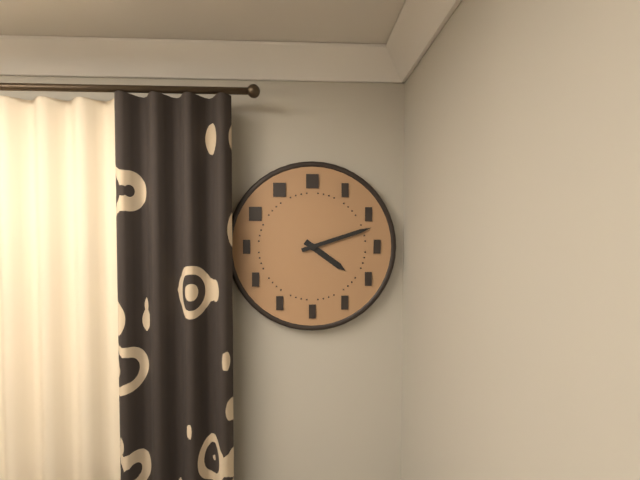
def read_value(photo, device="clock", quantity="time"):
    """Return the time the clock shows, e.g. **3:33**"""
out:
**4:12**
